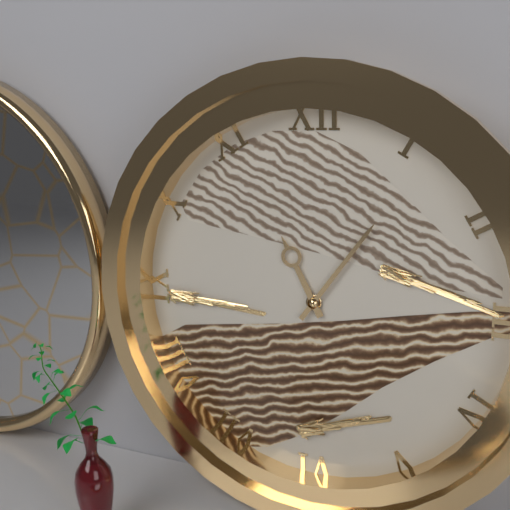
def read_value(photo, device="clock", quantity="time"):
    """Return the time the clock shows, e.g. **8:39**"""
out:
**11:06**
